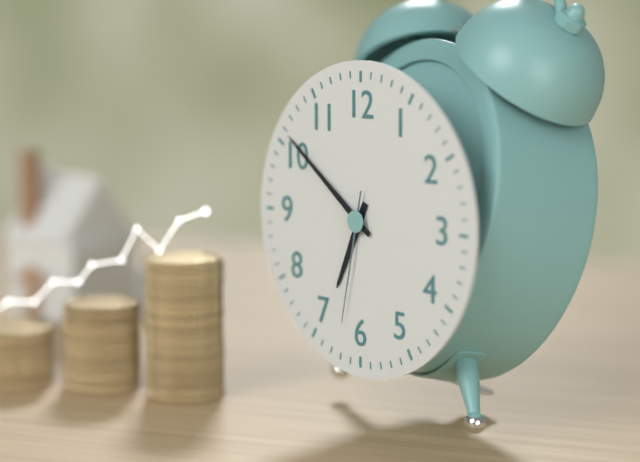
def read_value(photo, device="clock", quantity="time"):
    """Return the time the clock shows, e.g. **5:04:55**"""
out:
**6:51:32**
